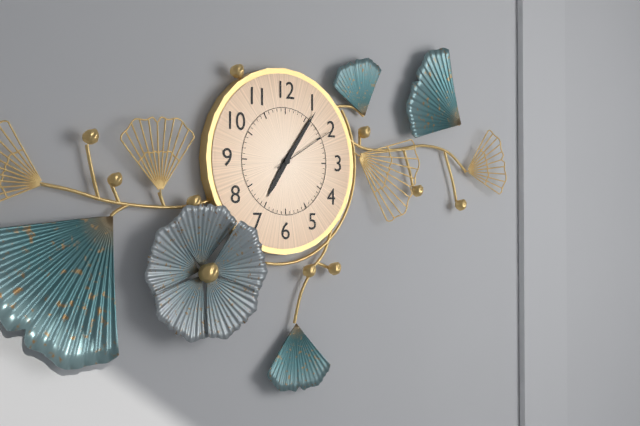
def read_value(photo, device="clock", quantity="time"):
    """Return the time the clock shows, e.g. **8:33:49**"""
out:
**7:06:10**
